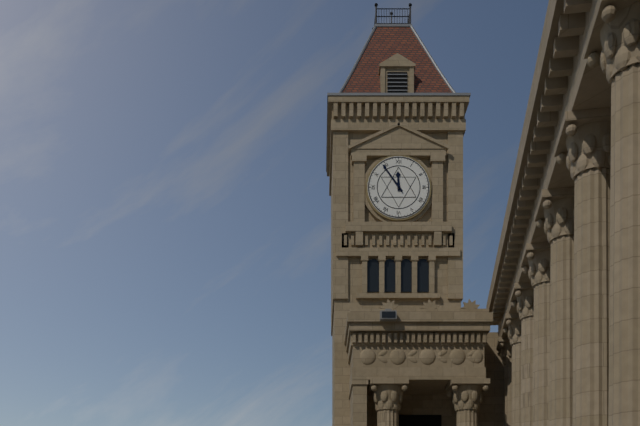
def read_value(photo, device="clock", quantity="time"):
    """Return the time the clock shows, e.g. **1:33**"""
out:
**11:54**
